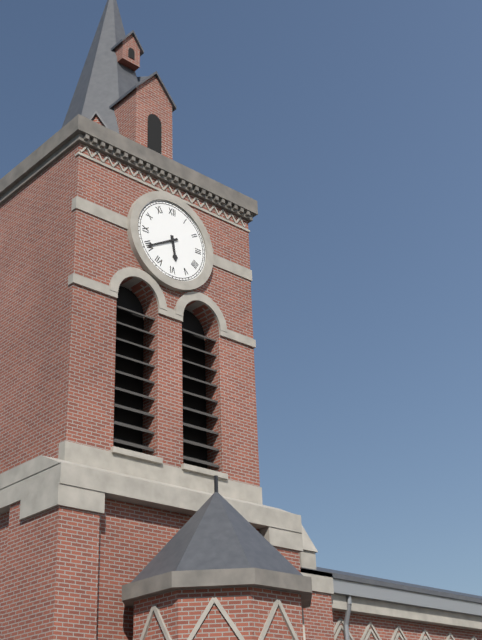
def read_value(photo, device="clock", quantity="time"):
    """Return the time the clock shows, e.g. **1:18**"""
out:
**5:40**
